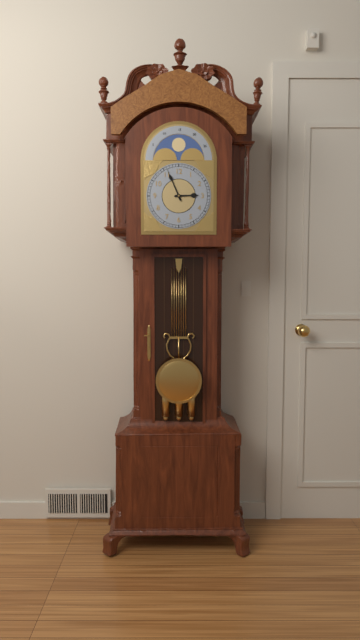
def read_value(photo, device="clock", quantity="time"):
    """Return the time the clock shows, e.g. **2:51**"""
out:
**2:56**
